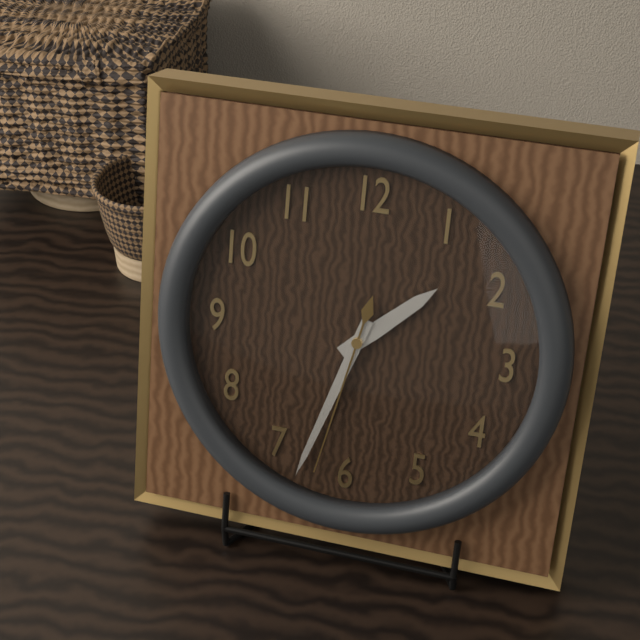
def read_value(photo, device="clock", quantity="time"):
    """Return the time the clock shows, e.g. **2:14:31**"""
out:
**1:33:32**
